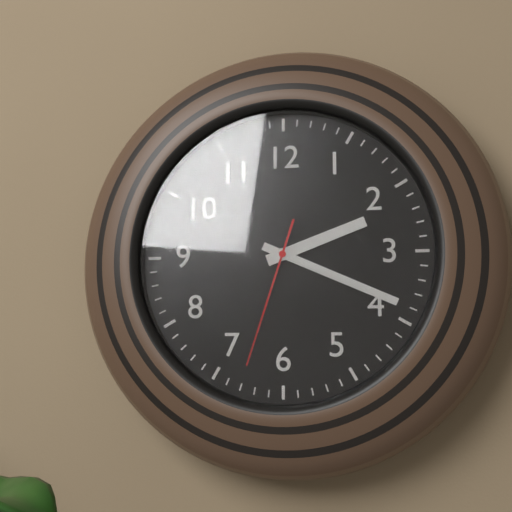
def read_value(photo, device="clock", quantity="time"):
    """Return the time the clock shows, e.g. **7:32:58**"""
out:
**2:19:33**
